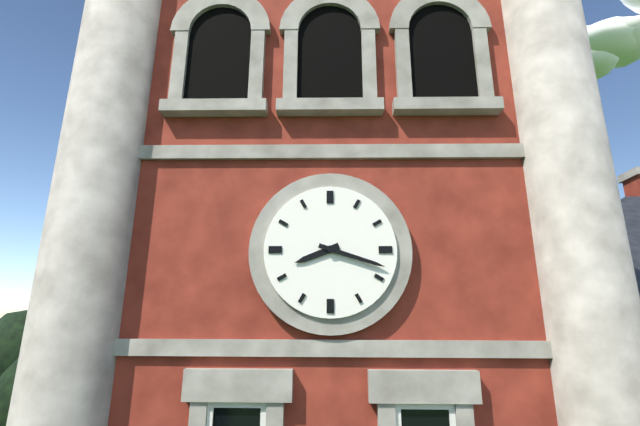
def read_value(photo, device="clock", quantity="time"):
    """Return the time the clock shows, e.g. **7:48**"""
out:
**8:18**
